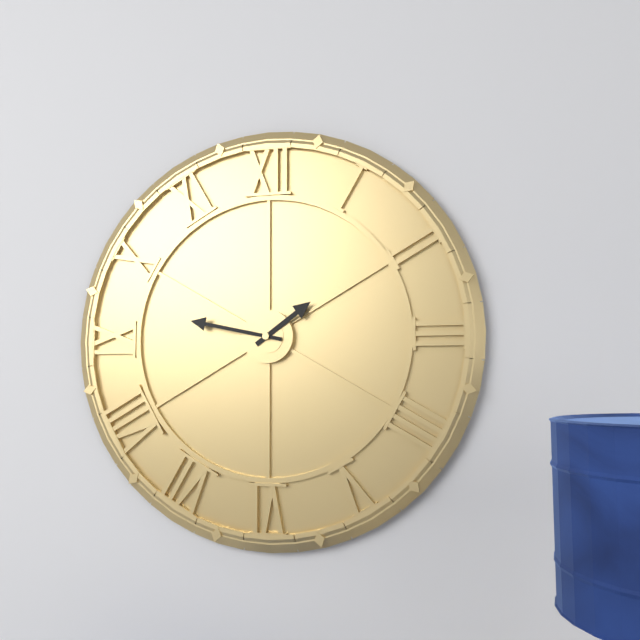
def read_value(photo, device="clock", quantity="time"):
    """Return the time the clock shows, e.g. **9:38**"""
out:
**1:47**
